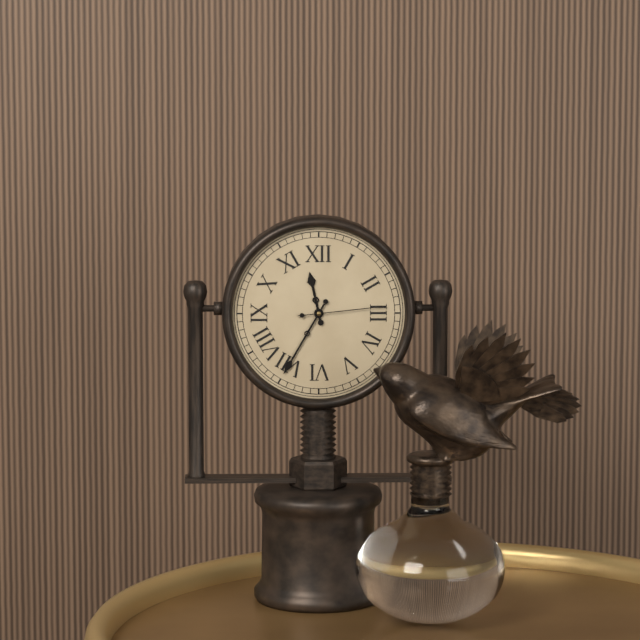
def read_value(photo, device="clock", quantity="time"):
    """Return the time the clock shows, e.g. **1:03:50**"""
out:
**11:35:14**
